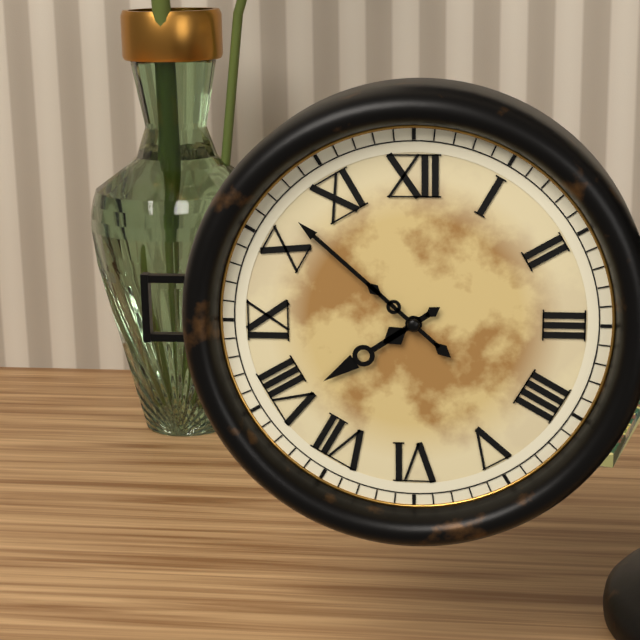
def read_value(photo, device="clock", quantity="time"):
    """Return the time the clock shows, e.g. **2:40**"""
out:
**7:52**
